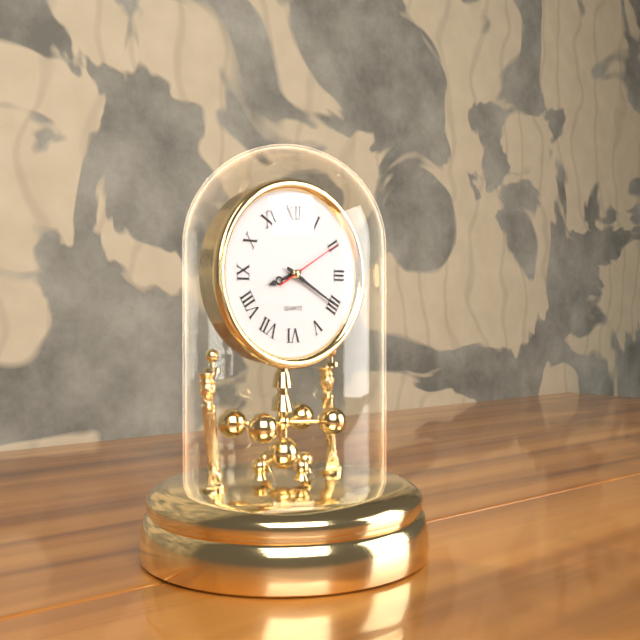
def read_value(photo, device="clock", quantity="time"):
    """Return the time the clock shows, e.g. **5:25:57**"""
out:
**8:20:10**
